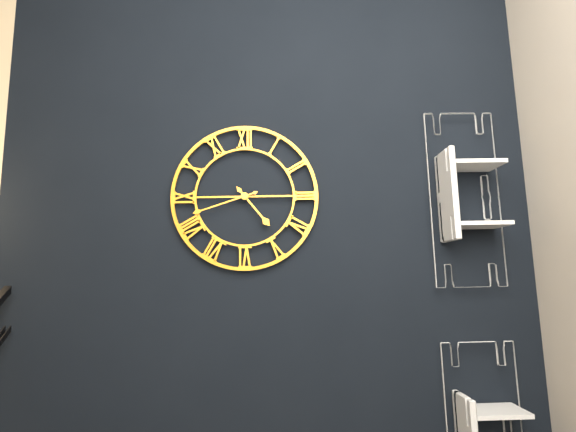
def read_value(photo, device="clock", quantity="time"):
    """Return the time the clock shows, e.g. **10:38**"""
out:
**4:42**
